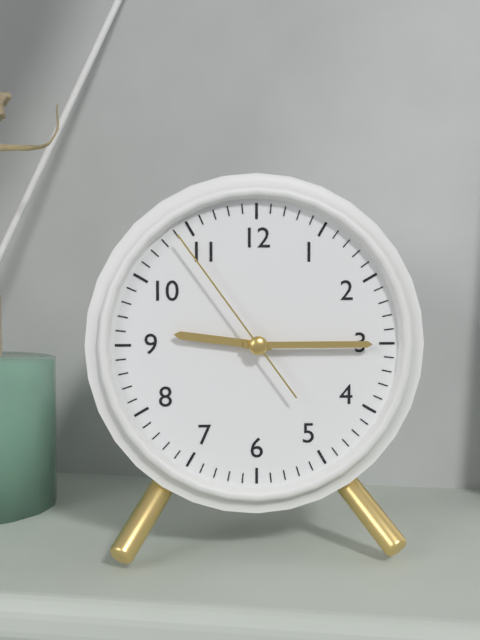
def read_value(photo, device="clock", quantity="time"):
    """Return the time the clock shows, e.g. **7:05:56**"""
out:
**9:15:54**
